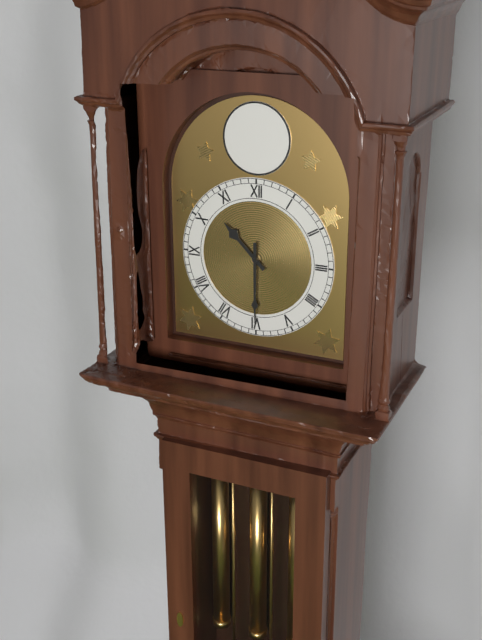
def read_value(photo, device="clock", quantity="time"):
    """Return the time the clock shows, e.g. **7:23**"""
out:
**10:30**
